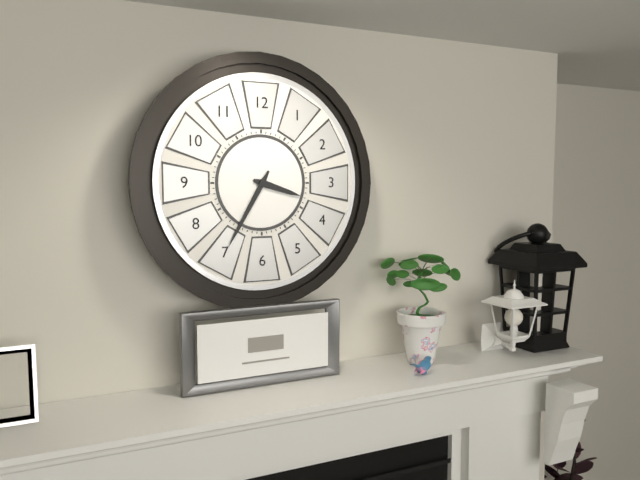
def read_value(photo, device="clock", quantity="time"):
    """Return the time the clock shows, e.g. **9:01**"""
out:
**3:35**
